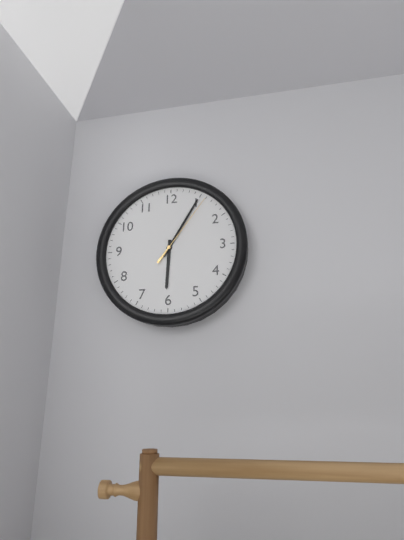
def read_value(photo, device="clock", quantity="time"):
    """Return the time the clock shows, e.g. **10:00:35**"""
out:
**6:05:06**
